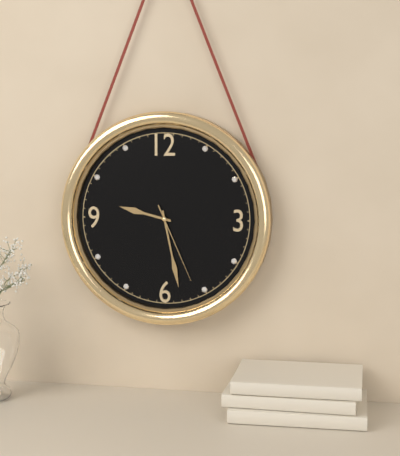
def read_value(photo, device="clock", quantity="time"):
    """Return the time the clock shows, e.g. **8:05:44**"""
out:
**9:28:26**
